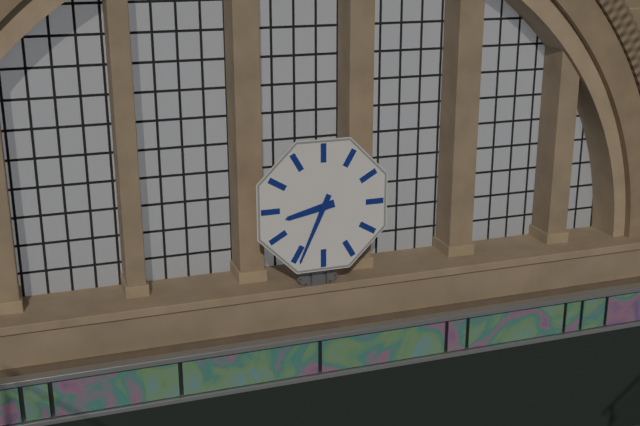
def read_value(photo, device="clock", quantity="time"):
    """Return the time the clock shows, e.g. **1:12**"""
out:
**8:34**
